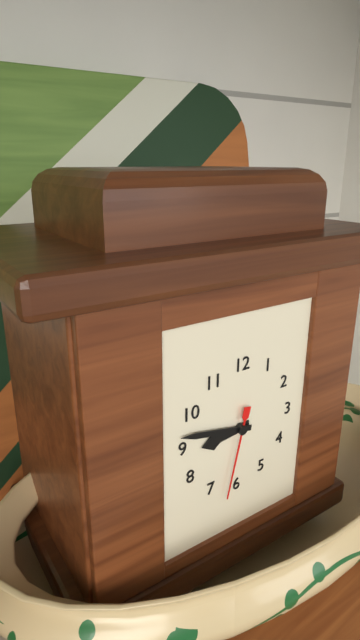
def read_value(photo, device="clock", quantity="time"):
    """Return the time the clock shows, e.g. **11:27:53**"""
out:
**8:47:32**
